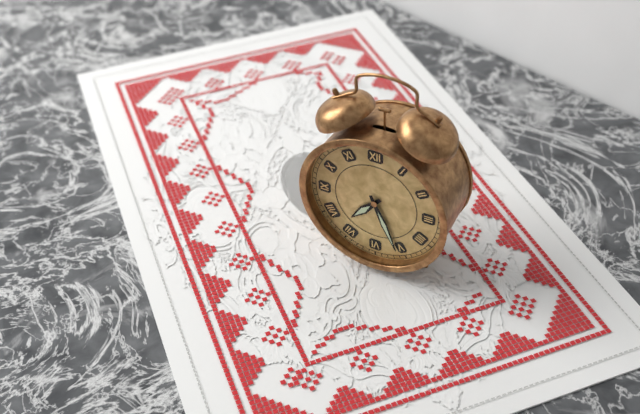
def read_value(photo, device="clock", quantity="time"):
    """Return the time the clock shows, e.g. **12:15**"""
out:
**7:26**
